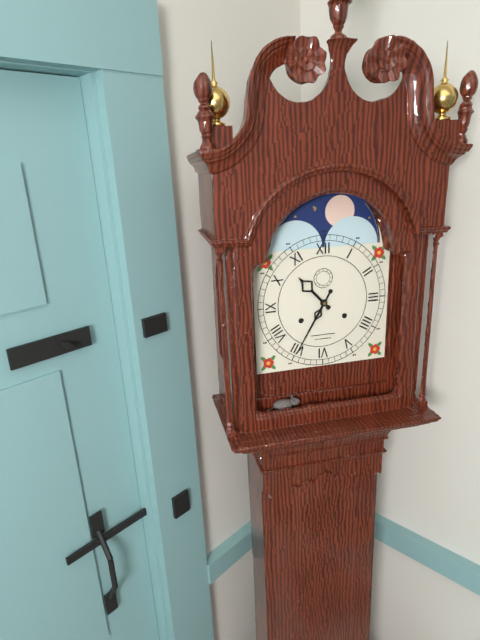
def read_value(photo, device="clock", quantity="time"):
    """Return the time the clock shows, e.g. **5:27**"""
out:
**10:35**
